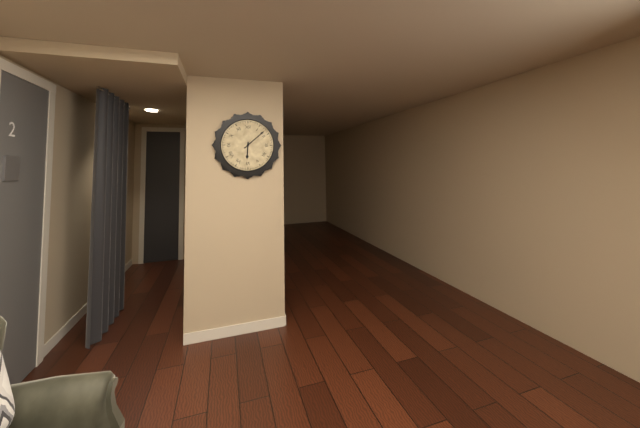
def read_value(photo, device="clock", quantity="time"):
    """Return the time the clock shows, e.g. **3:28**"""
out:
**6:08**
